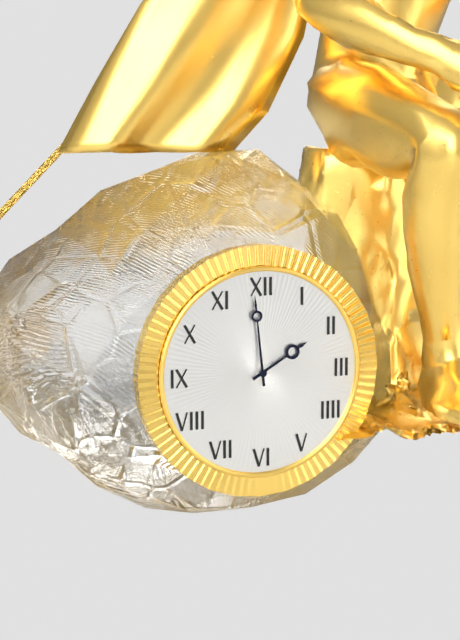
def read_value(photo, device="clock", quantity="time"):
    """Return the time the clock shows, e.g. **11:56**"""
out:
**1:59**
